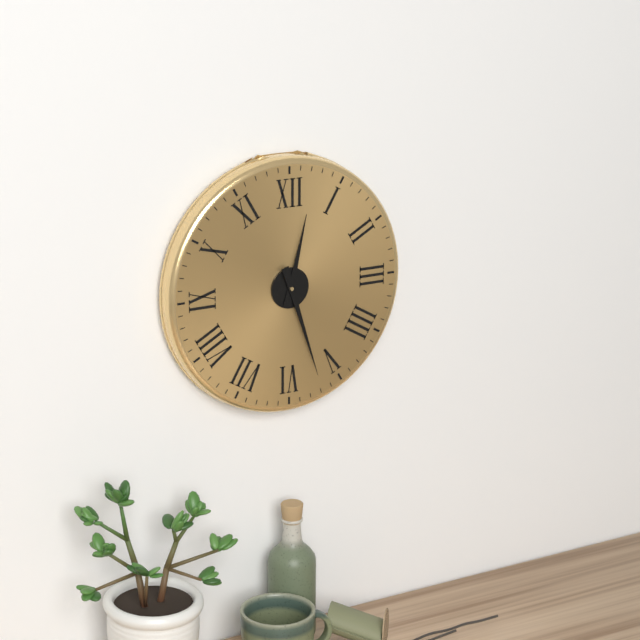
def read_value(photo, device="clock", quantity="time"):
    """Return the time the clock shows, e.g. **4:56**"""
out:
**12:27**
